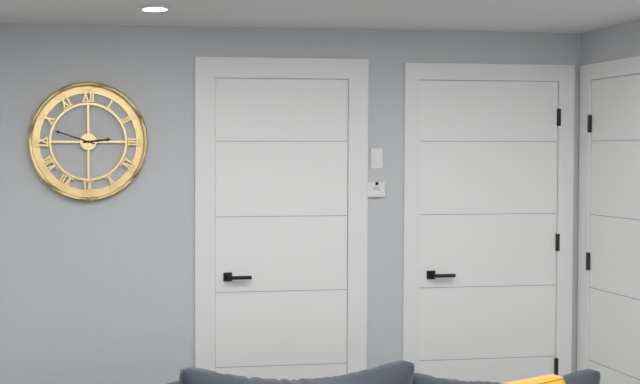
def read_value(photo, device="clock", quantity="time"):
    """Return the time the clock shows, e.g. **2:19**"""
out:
**2:48**
